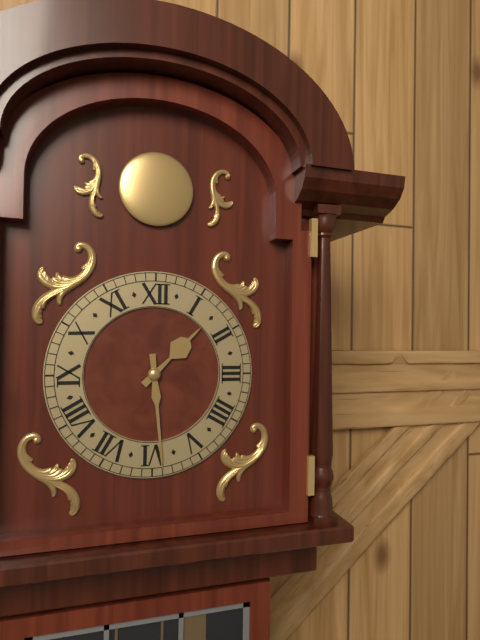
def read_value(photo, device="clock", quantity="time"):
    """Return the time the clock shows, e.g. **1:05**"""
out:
**1:29**
